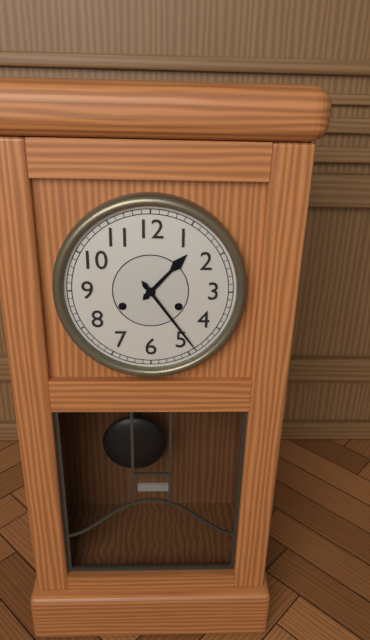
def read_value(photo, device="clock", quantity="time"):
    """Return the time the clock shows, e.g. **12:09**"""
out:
**1:24**
